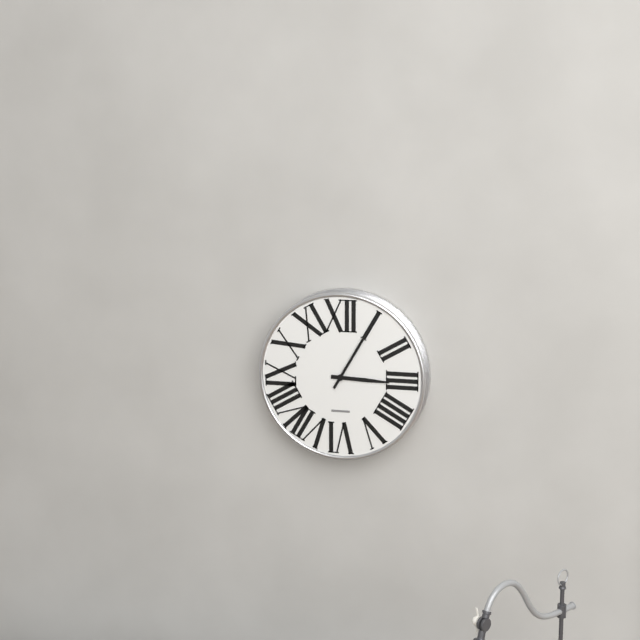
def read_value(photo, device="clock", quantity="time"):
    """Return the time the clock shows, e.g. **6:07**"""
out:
**3:05**
